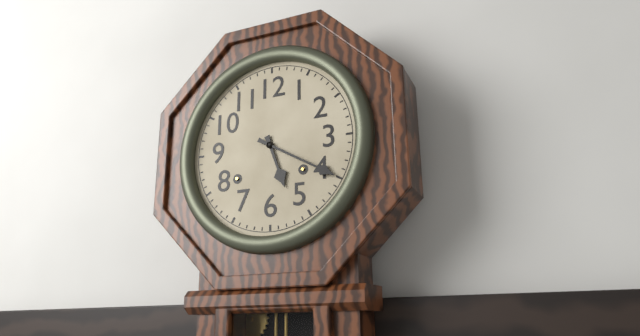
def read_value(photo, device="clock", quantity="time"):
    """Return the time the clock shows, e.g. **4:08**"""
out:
**5:20**
